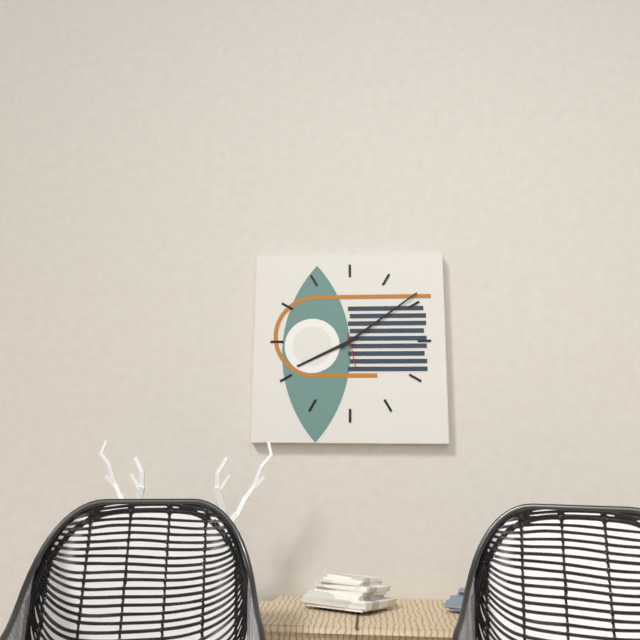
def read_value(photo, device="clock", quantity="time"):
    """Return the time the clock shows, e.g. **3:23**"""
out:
**8:09**
